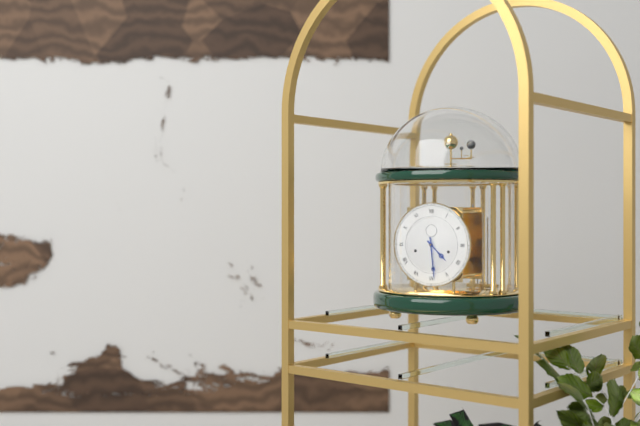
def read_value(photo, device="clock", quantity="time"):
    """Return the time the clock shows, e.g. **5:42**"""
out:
**4:29**
